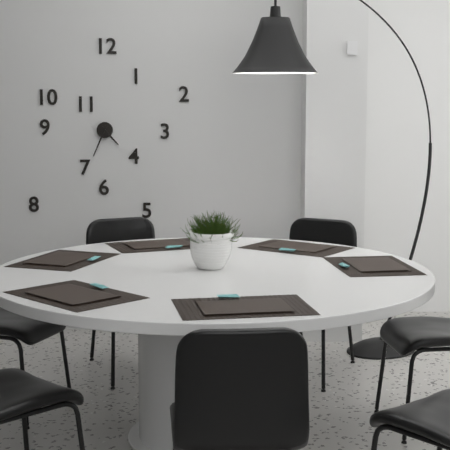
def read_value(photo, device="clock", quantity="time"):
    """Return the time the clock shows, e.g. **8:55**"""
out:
**4:34**
